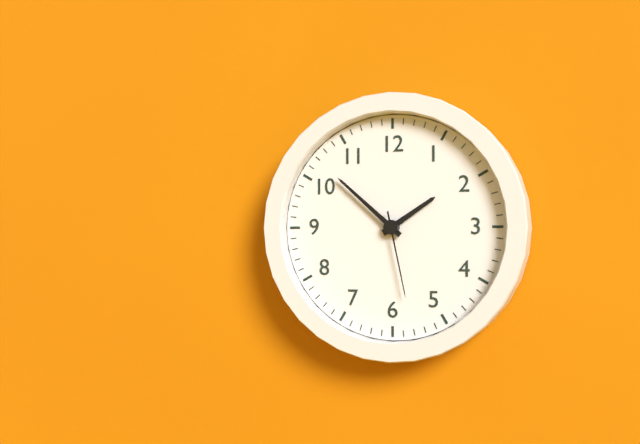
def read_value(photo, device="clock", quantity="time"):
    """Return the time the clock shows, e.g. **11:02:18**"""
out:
**1:52:28**
